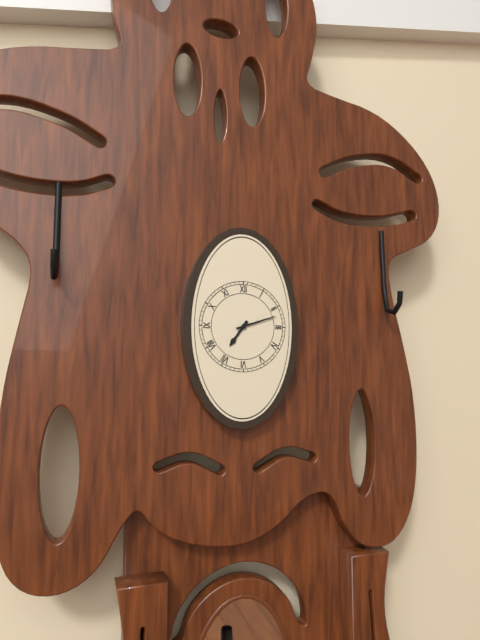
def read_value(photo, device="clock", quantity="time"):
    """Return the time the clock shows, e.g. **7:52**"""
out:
**7:12**
